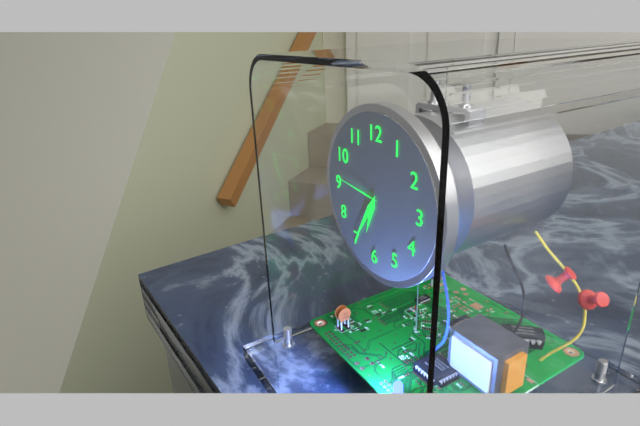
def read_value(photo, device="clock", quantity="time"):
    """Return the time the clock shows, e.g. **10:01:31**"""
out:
**6:35:46**
